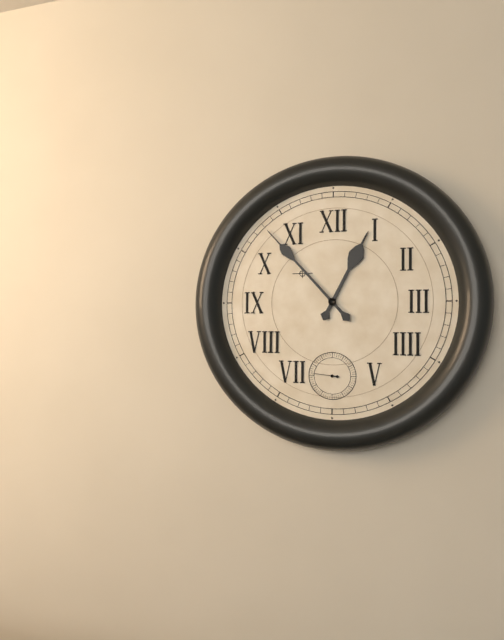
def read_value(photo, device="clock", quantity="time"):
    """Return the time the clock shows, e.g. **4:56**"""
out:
**12:53**
